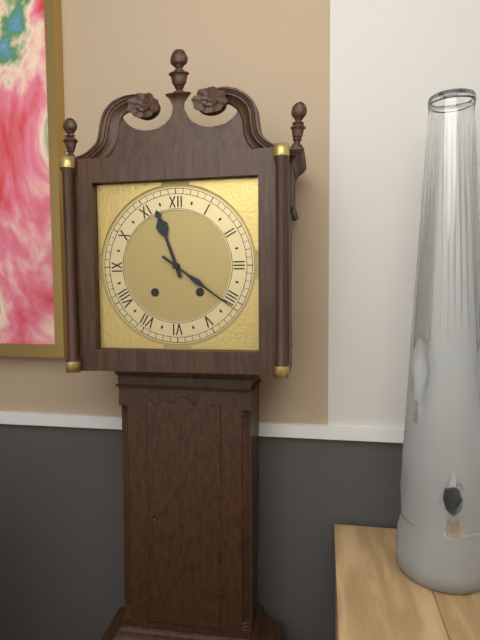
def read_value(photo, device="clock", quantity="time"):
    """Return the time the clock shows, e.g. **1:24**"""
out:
**11:21**
